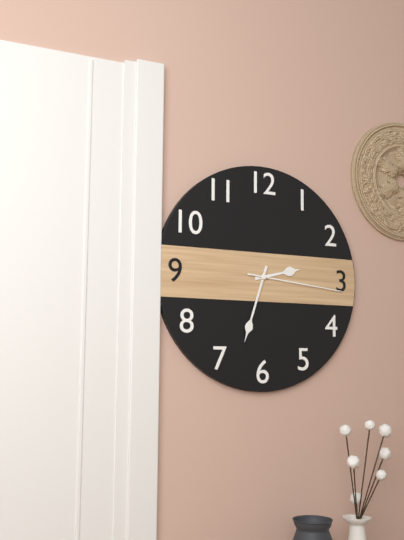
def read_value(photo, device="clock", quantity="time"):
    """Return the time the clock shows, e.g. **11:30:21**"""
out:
**2:33:16**
